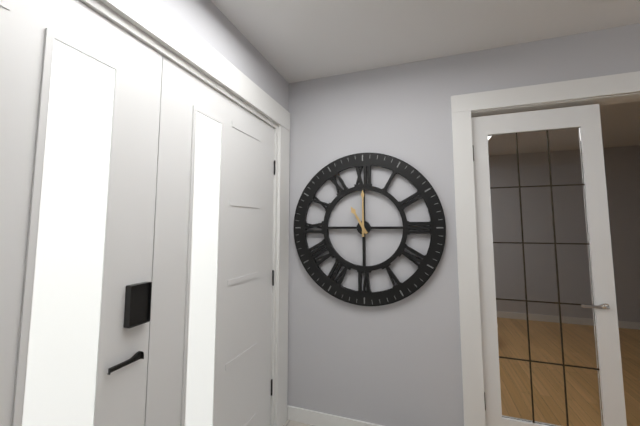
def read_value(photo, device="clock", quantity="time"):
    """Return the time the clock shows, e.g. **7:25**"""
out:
**11:00**
